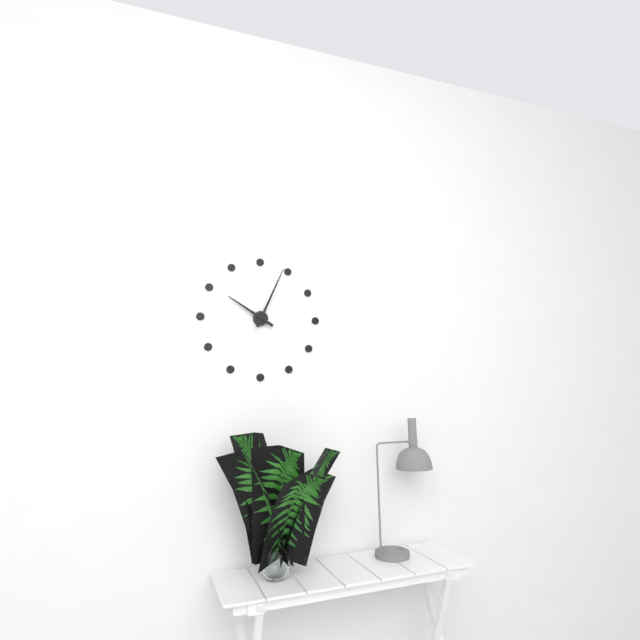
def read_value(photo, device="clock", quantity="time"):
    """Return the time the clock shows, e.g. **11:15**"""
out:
**10:04**
